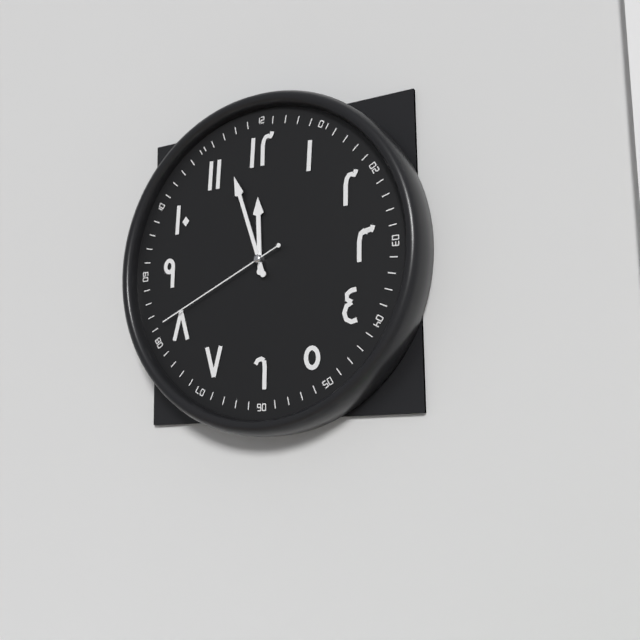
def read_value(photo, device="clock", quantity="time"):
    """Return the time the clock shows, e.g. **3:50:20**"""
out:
**11:57:41**
